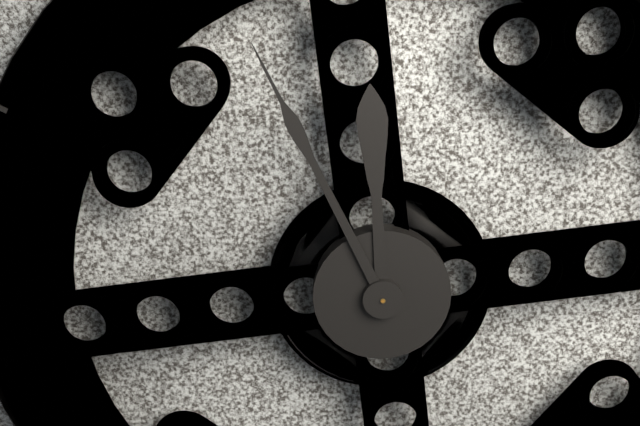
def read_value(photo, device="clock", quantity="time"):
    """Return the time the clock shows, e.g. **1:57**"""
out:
**11:56**
